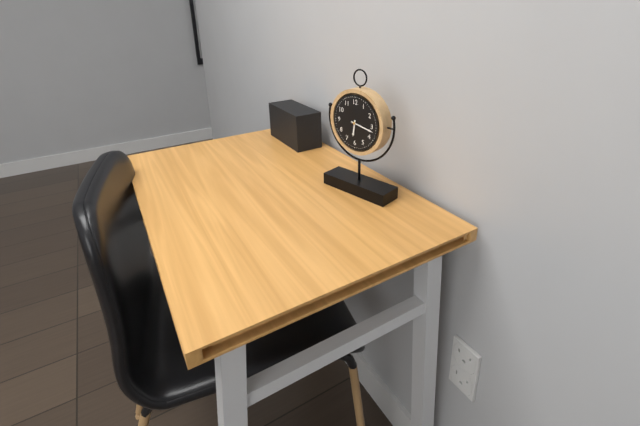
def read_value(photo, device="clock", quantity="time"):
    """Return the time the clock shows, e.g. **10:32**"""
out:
**6:17**
